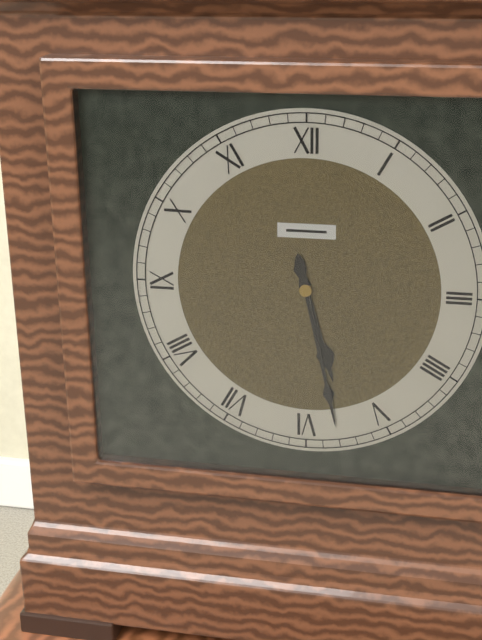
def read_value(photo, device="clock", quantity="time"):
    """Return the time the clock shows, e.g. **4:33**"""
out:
**5:28**
